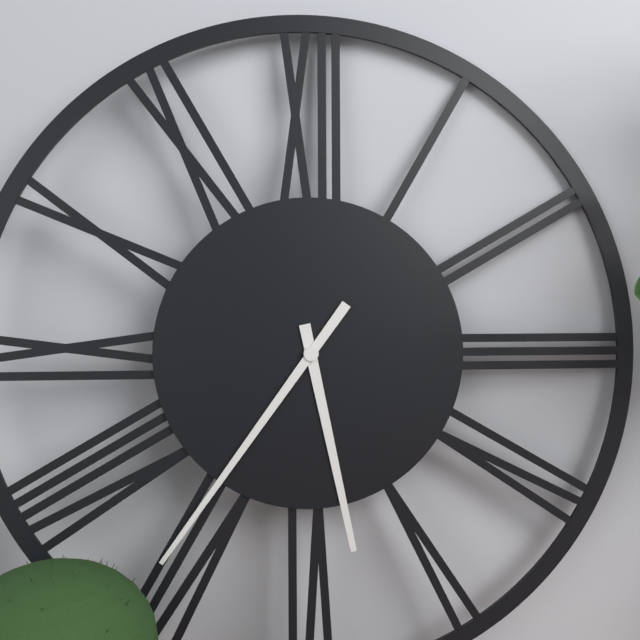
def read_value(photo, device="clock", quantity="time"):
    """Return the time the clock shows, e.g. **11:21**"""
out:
**5:36**
